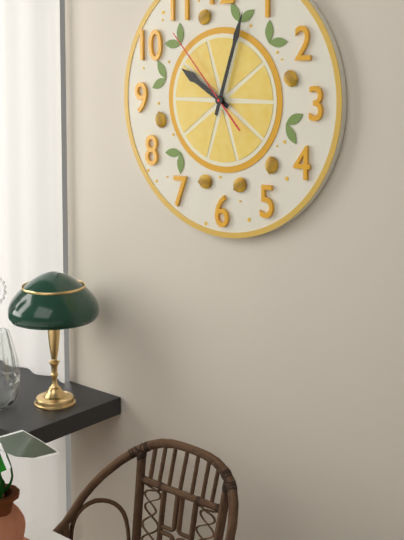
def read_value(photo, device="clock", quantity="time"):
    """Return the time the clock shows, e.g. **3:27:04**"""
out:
**10:03:53**
